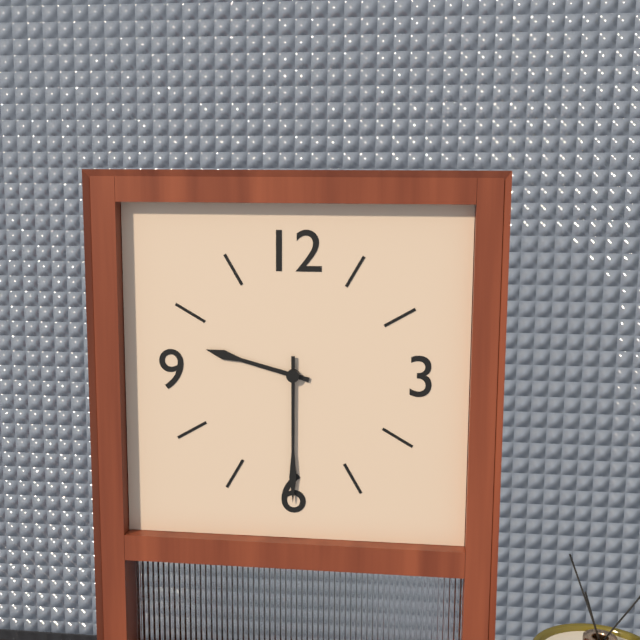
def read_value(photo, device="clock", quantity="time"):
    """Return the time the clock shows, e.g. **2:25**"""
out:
**9:30**
